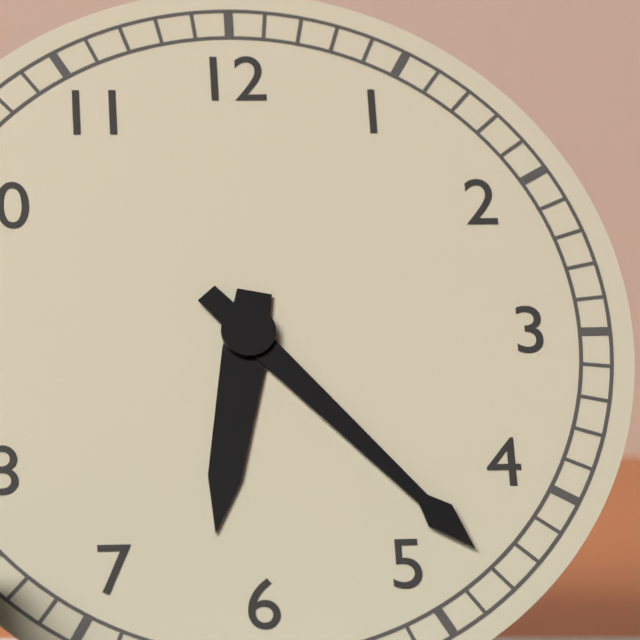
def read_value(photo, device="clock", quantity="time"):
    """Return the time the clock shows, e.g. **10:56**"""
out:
**6:23**
